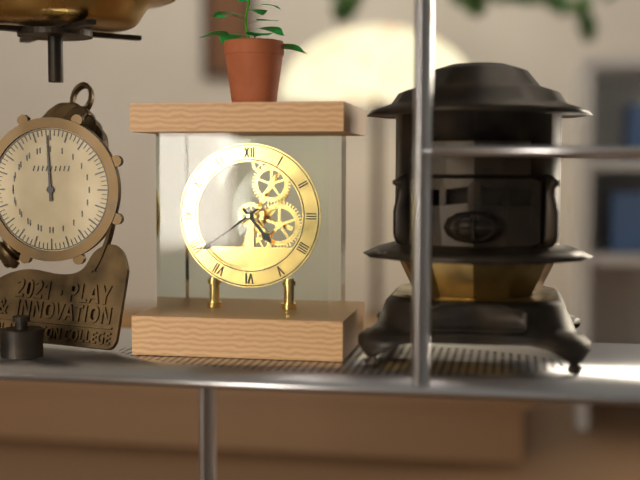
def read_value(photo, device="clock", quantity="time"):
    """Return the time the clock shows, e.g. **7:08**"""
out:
**4:39**
